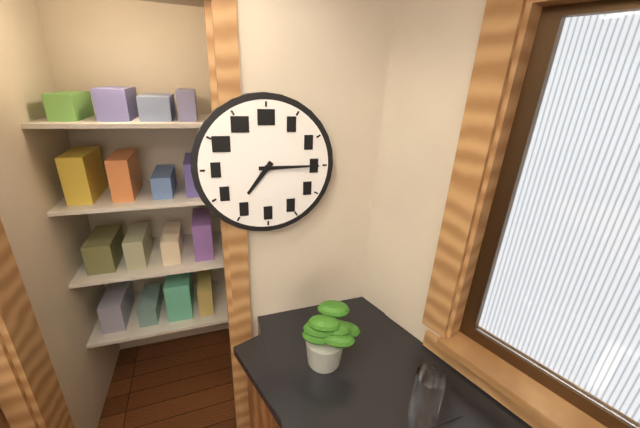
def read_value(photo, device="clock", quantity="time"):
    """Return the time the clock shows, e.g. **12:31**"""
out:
**7:15**
